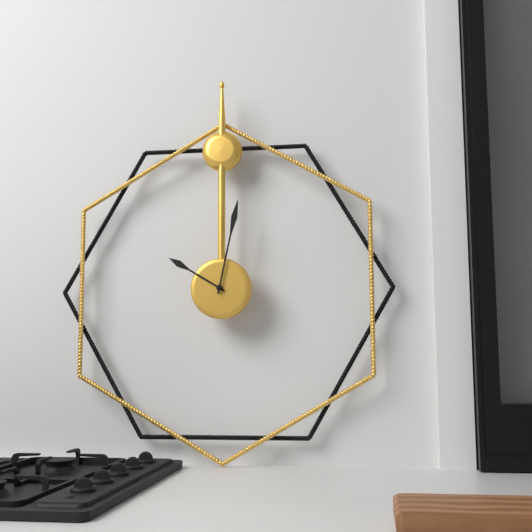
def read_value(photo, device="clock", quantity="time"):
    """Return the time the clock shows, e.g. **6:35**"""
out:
**10:02**
